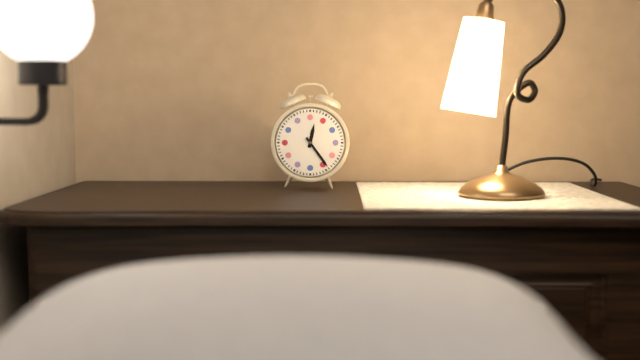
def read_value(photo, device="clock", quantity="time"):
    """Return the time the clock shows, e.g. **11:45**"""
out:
**12:24**
